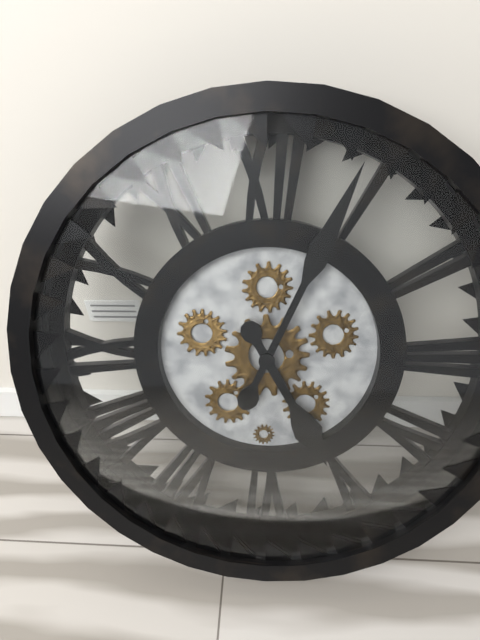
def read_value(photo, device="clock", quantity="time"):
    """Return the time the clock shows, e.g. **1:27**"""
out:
**5:04**
